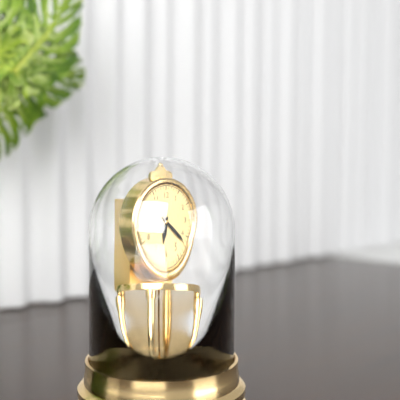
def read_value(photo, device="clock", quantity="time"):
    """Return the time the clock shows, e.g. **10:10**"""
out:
**6:22**
